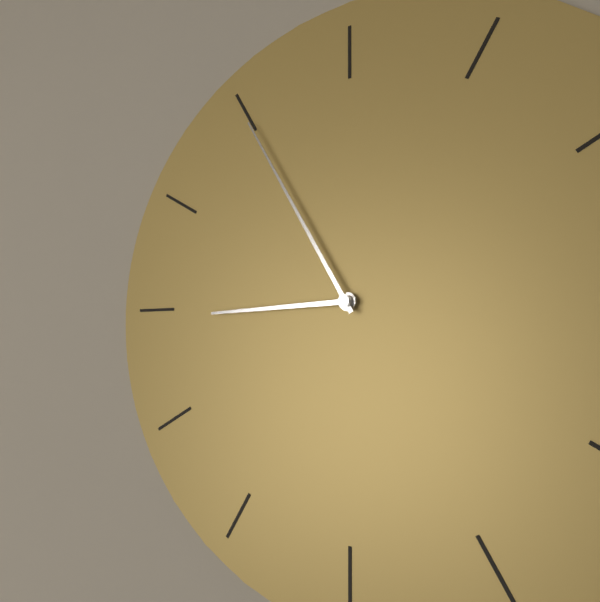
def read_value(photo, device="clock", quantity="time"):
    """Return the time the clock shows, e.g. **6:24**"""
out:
**8:55**
